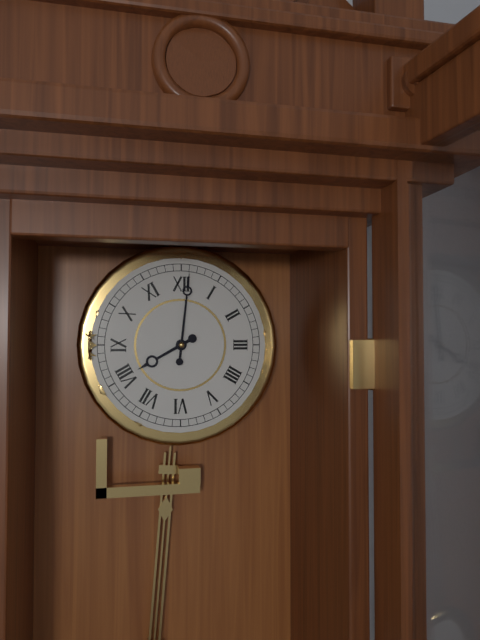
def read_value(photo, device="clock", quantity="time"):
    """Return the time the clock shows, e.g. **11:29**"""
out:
**8:01**
